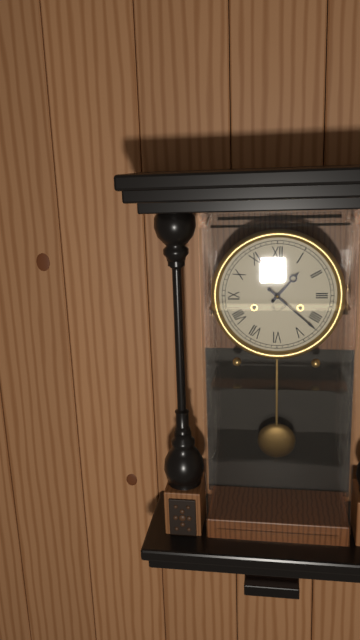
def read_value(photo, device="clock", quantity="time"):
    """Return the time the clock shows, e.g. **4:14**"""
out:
**1:22**
